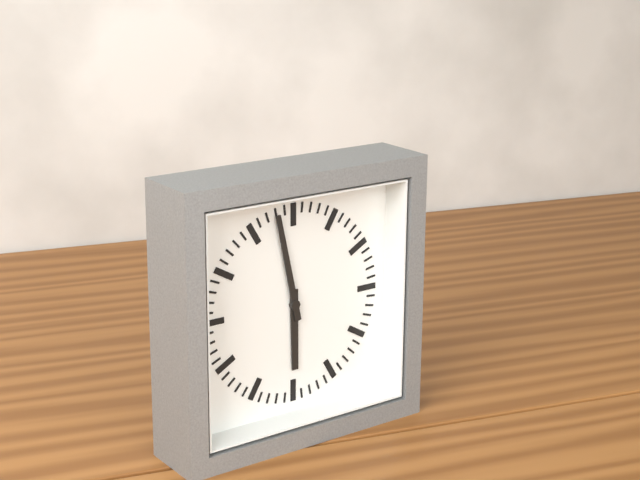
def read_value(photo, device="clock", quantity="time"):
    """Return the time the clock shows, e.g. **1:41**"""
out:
**5:58**
